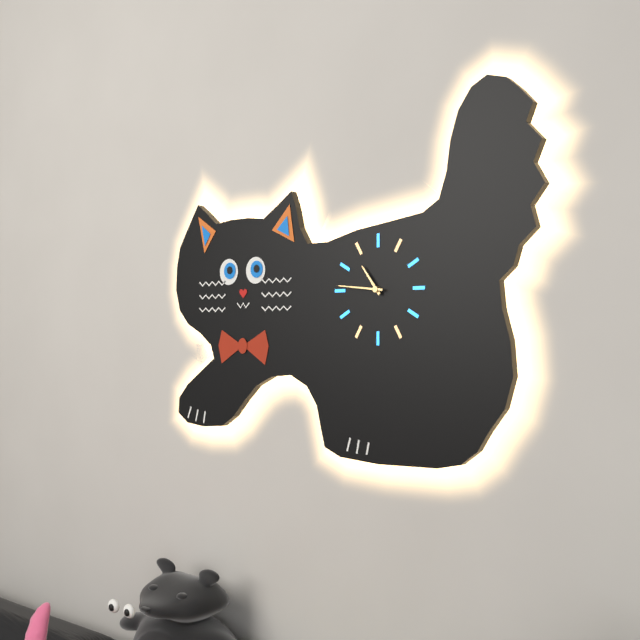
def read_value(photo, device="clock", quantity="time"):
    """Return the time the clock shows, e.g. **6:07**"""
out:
**10:46**
